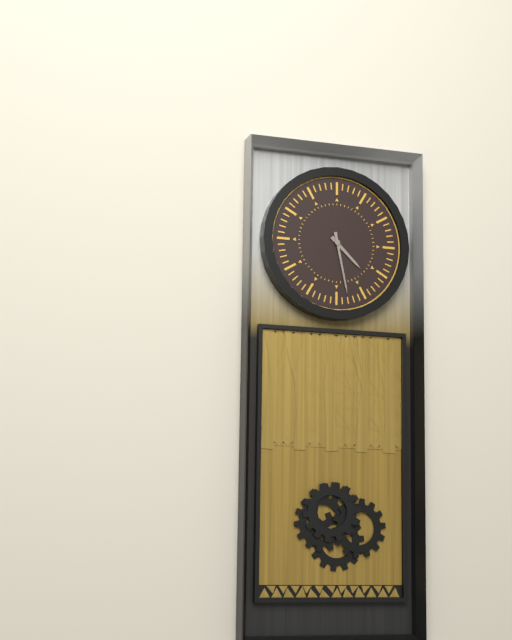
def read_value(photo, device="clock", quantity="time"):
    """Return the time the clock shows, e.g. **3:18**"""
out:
**4:28**
